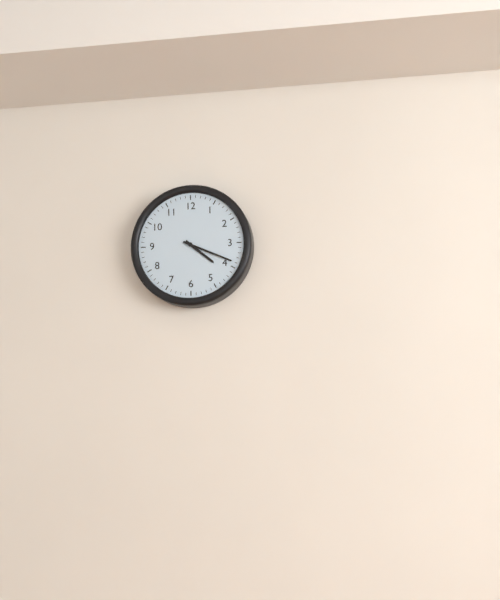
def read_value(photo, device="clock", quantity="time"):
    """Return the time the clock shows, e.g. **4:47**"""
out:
**4:19**
